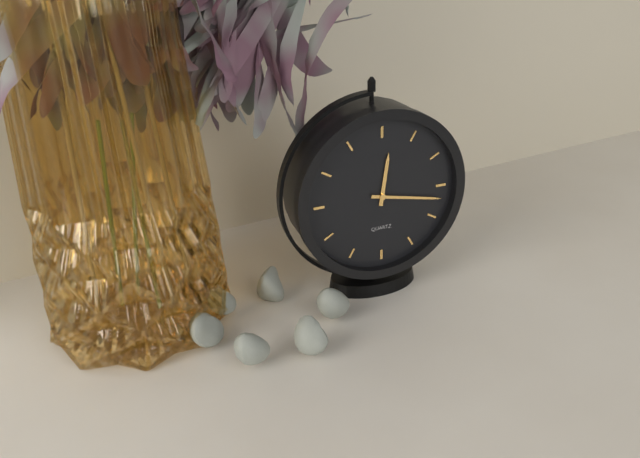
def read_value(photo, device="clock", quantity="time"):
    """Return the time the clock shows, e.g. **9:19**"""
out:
**12:17**
